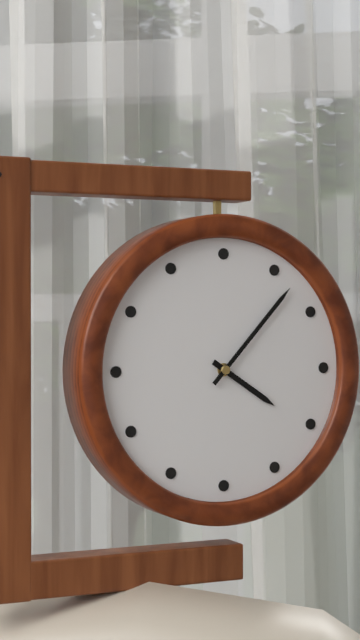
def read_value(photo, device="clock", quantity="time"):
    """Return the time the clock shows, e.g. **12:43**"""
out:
**4:07**
